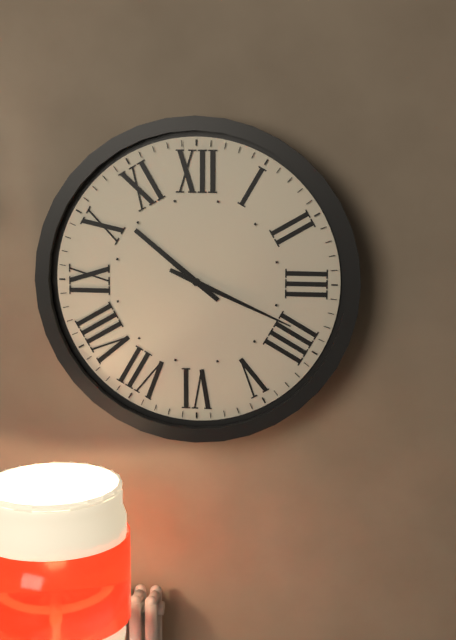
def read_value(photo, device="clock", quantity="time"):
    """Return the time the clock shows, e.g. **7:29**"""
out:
**10:19**
